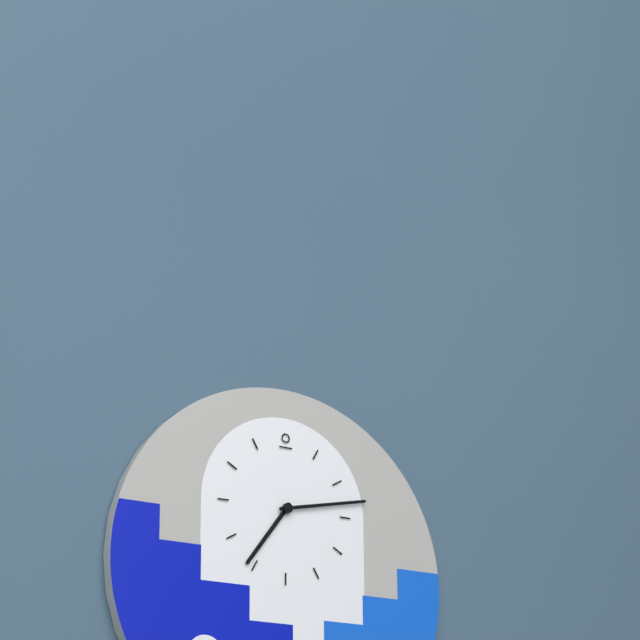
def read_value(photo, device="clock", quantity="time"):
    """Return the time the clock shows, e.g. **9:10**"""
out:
**7:13**
